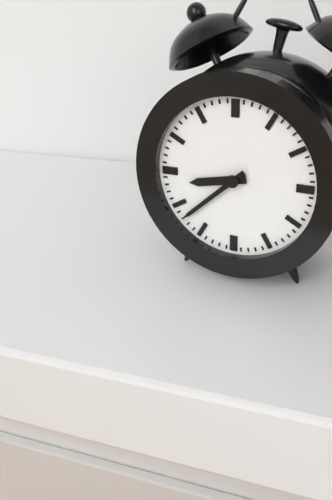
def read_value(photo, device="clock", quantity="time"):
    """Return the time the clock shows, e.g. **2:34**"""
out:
**8:38**
